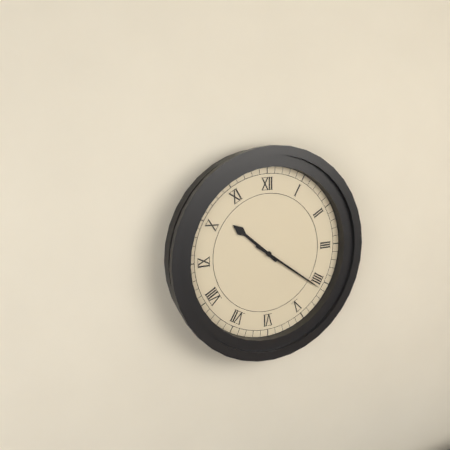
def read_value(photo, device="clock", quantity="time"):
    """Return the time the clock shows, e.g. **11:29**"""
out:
**10:21**
